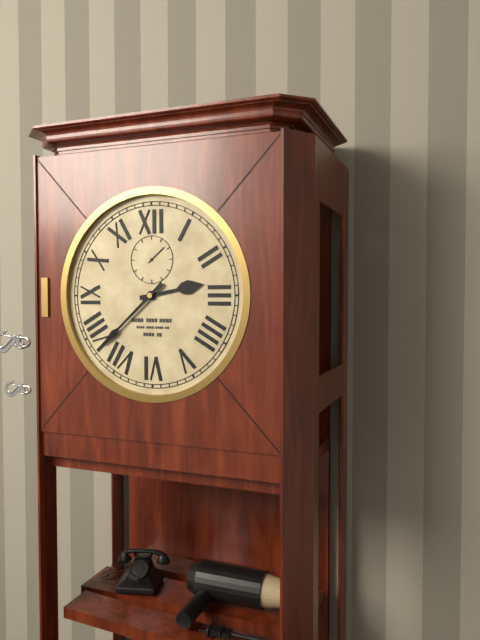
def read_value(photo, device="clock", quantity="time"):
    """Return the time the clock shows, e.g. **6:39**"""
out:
**2:38**
